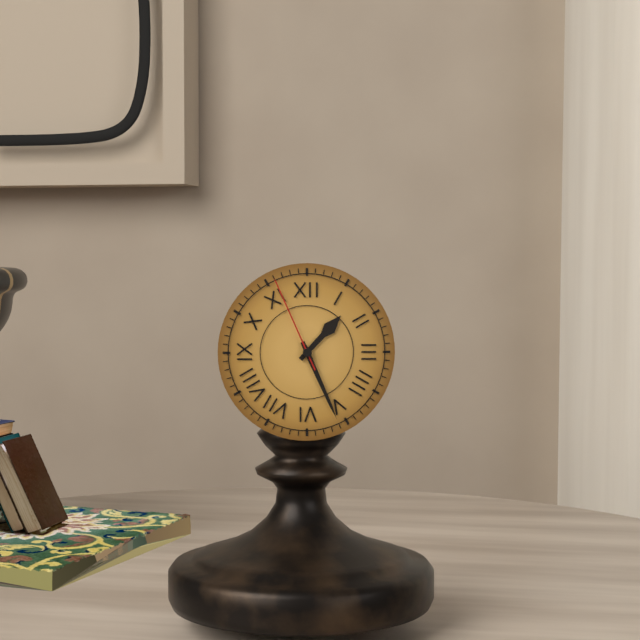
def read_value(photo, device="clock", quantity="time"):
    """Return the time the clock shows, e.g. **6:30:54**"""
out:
**1:26:56**
